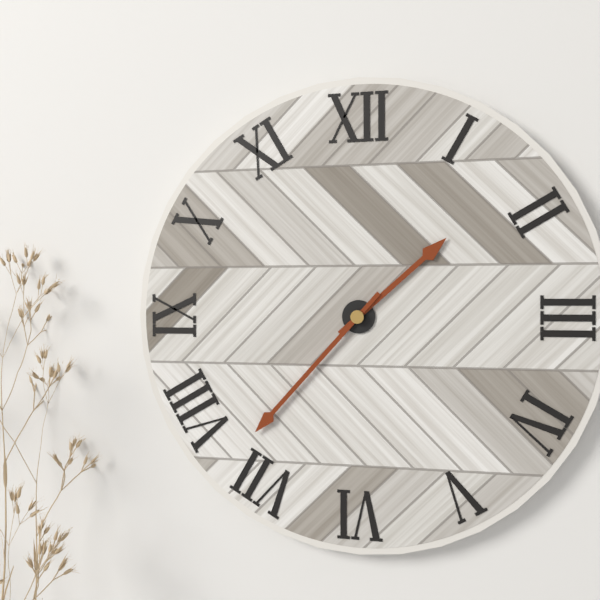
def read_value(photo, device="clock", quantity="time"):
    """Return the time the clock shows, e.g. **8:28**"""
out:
**1:37**
